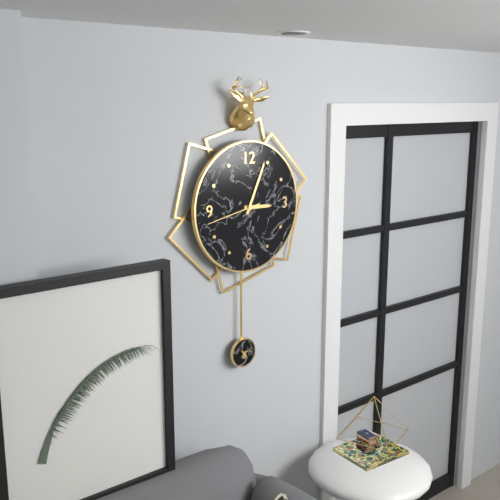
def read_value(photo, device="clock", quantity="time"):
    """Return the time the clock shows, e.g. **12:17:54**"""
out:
**3:04:43**
